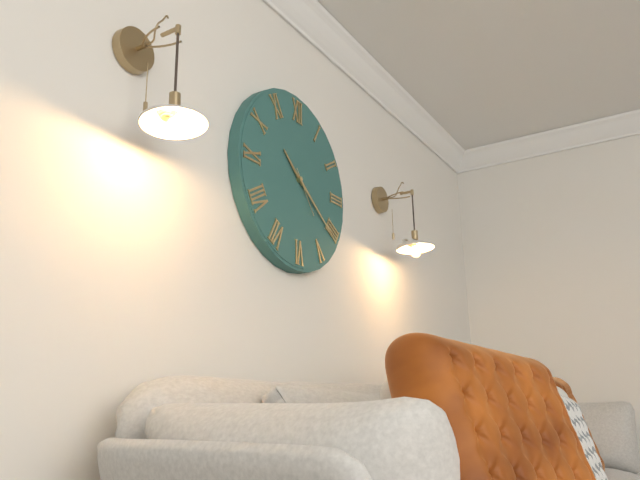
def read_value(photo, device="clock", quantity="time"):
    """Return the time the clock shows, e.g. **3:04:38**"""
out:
**10:21:24**
